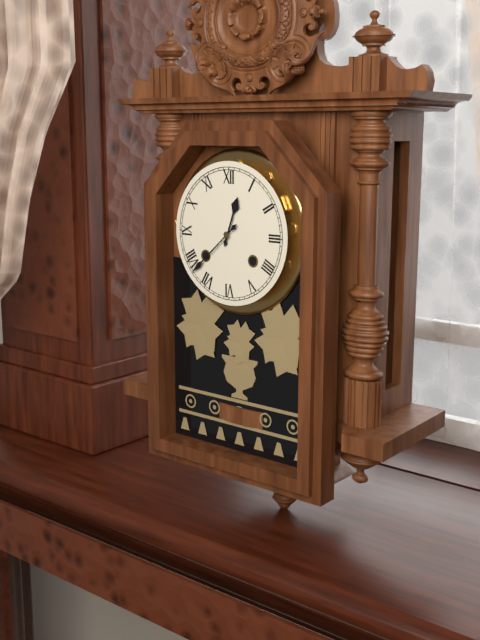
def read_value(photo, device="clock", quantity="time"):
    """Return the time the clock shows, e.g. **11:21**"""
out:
**12:38**
